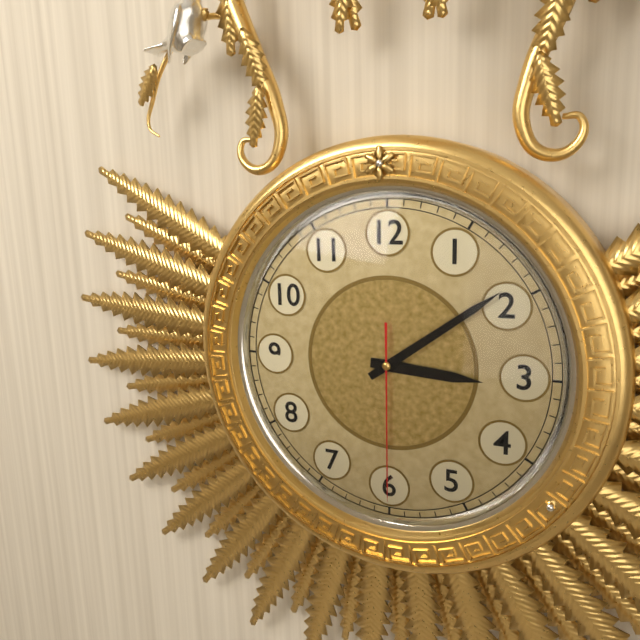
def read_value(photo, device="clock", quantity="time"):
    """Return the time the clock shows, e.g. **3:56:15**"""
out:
**3:09:30**
